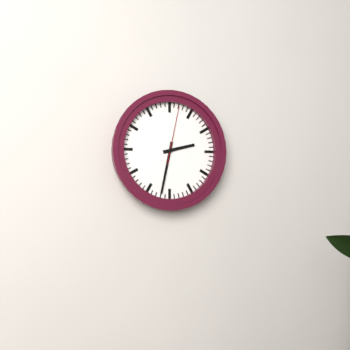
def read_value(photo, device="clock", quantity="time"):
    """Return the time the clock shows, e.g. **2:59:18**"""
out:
**2:32:02**
